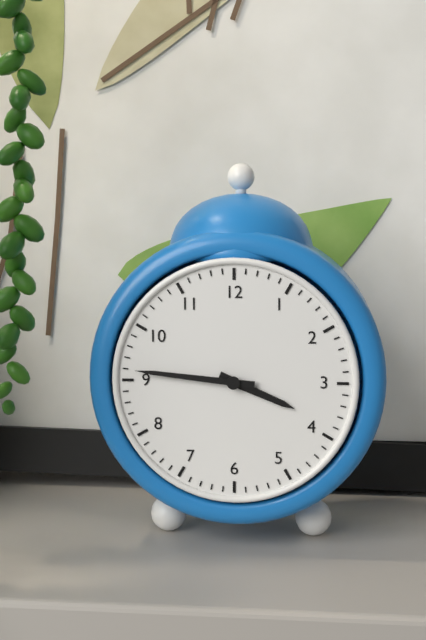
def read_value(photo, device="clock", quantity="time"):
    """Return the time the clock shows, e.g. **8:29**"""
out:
**3:46**
